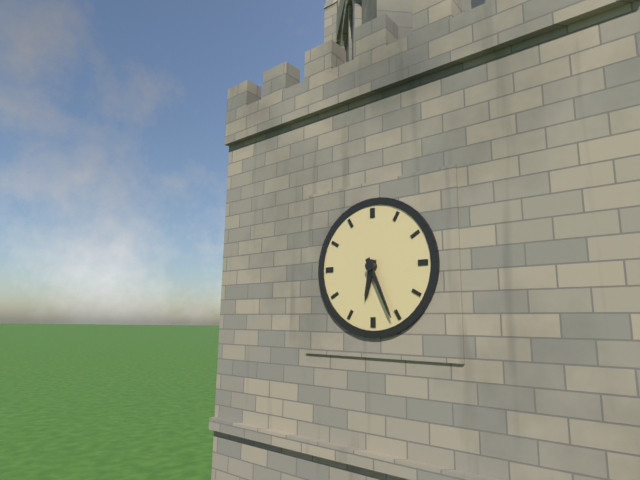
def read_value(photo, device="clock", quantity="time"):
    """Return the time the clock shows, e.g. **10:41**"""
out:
**6:26**
